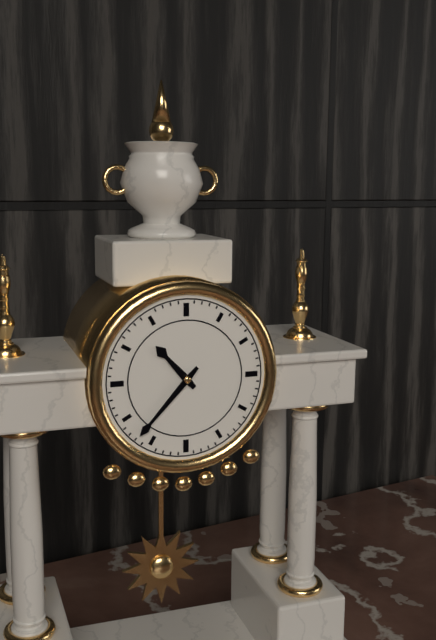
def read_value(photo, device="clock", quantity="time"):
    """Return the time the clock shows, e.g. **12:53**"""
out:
**10:37**
